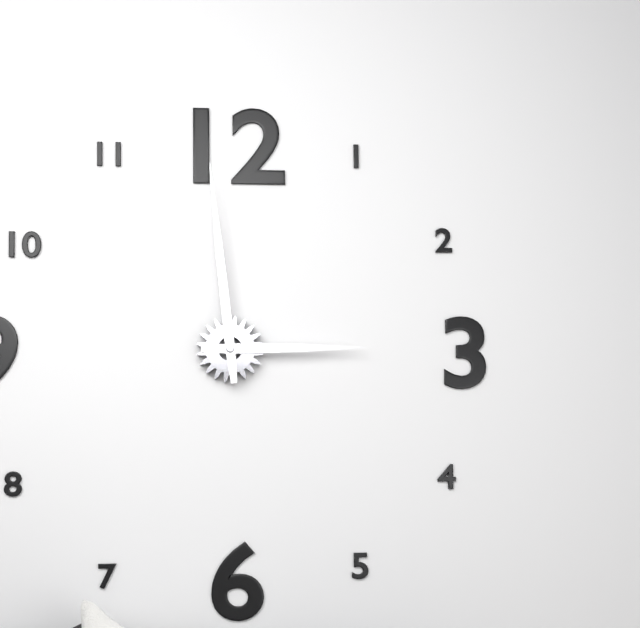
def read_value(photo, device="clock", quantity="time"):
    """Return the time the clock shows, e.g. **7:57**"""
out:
**2:59**
